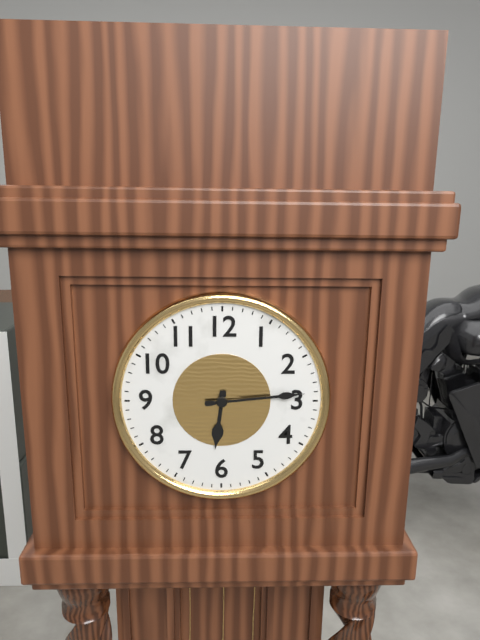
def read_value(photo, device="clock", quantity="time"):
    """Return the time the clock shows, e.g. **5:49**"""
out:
**6:14**
